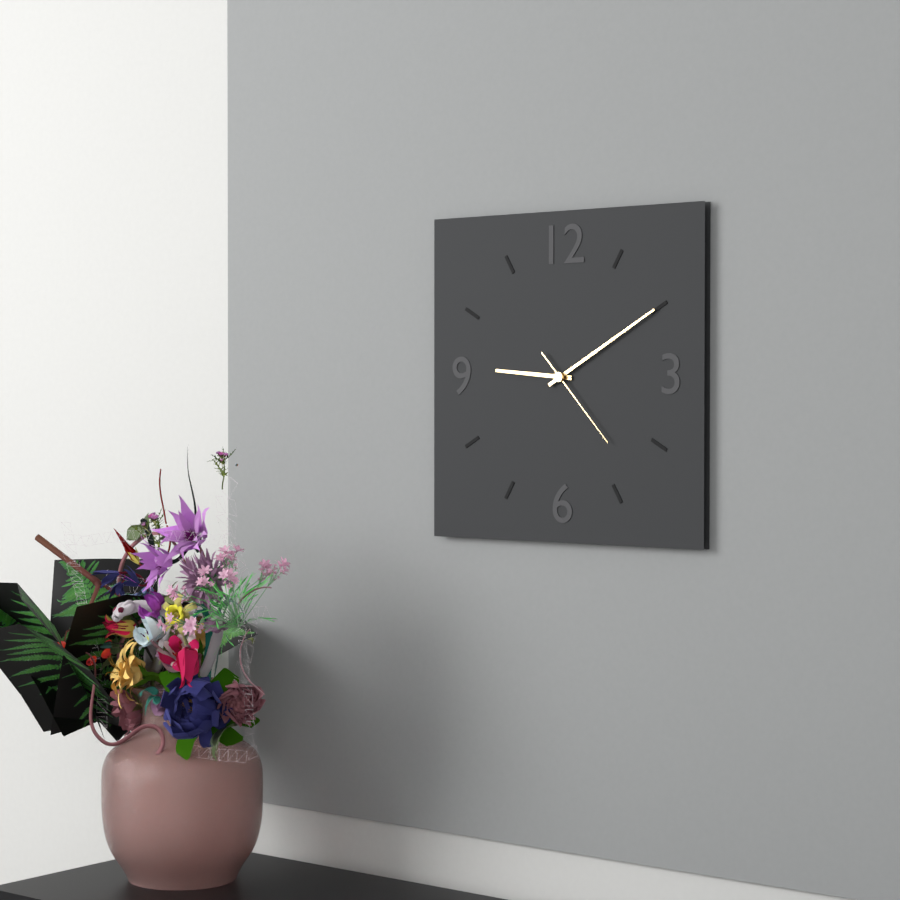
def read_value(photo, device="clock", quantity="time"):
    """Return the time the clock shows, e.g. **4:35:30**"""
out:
**9:10:23**
